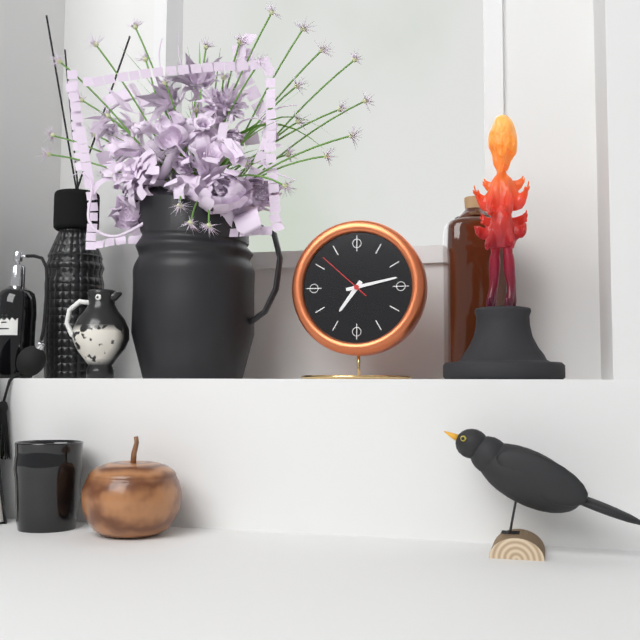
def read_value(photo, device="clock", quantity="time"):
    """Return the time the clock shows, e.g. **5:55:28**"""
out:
**7:13:52**
